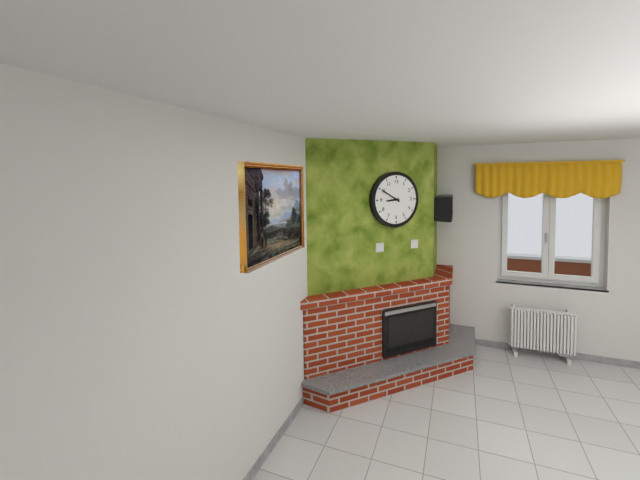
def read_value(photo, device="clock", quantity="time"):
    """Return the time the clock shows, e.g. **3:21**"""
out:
**8:50**
